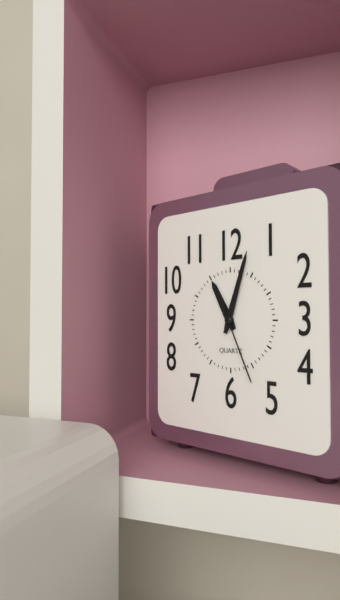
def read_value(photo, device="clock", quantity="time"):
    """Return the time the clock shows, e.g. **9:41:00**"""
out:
**11:03:26**
